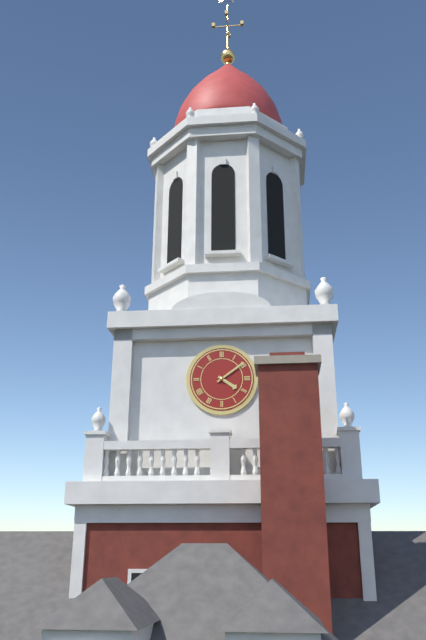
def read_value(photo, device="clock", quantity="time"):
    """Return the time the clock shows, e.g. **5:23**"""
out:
**4:09**
